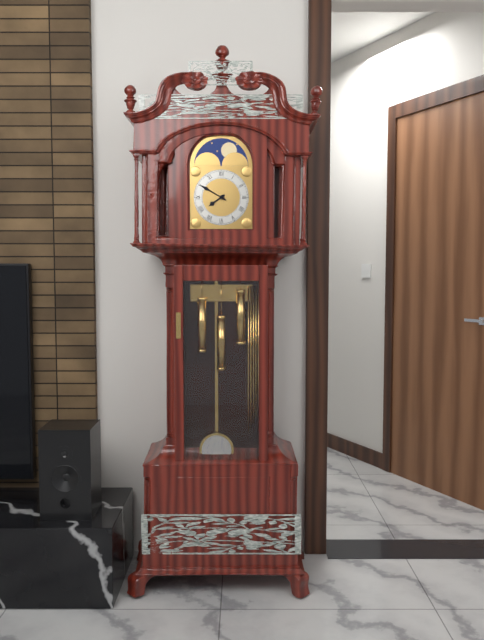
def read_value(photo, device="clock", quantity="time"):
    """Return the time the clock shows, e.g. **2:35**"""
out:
**7:50**
